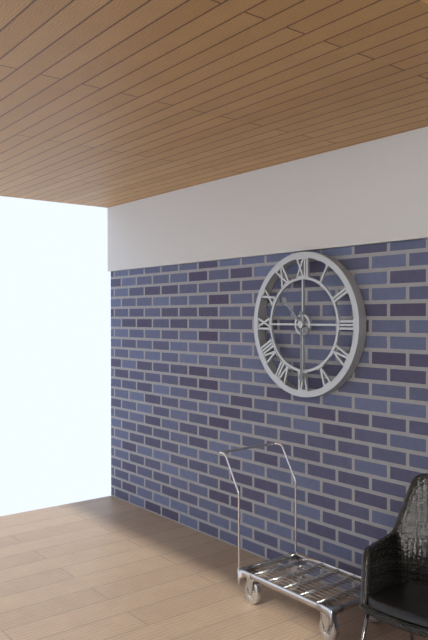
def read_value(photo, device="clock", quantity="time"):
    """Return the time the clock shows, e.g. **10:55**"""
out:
**10:30**
